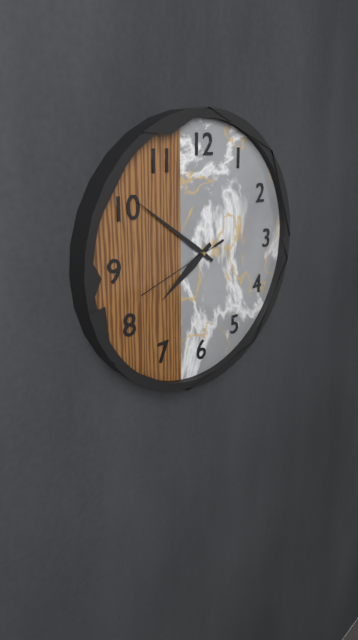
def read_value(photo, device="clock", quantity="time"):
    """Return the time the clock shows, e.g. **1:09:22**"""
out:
**7:51:42**
